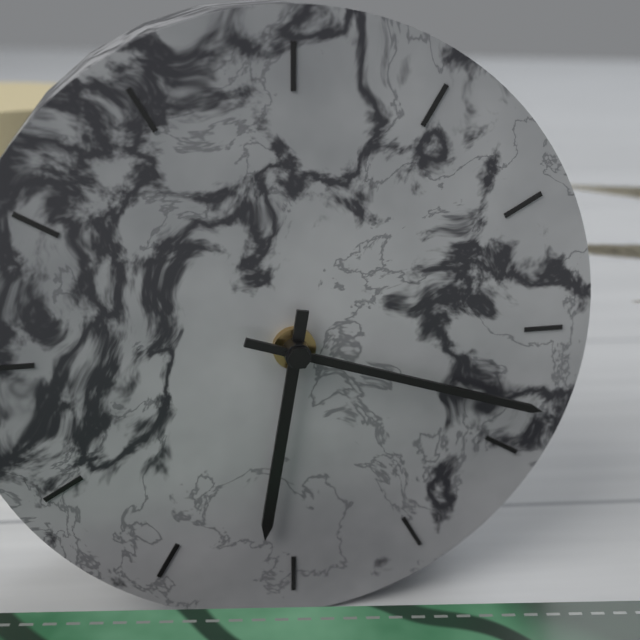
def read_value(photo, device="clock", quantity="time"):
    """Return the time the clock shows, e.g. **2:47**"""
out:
**6:18**
